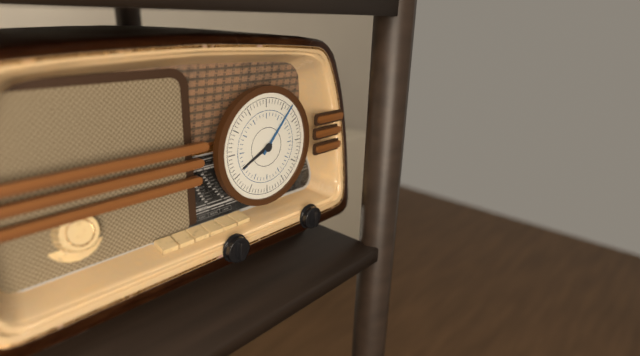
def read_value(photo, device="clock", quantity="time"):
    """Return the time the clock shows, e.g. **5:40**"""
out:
**8:07**
